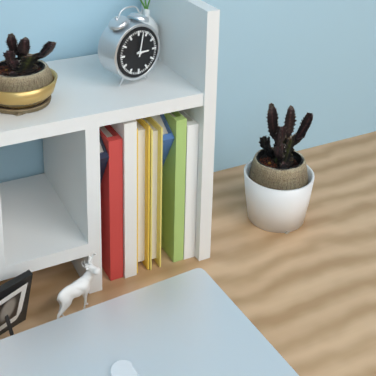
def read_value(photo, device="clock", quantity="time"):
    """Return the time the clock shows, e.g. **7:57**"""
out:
**3:02**
